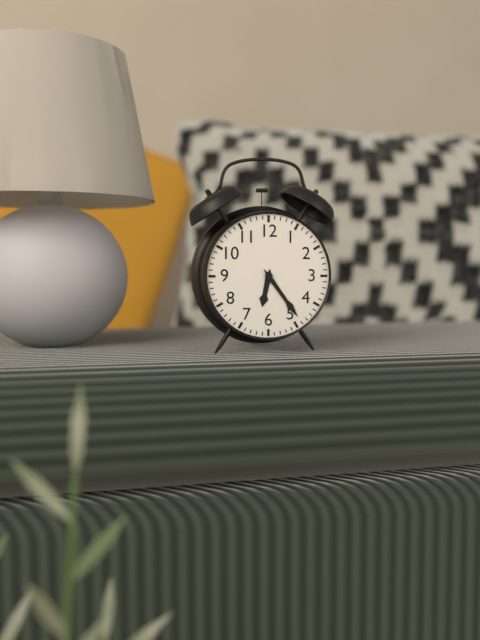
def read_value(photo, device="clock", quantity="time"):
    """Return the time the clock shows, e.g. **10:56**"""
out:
**6:24**
